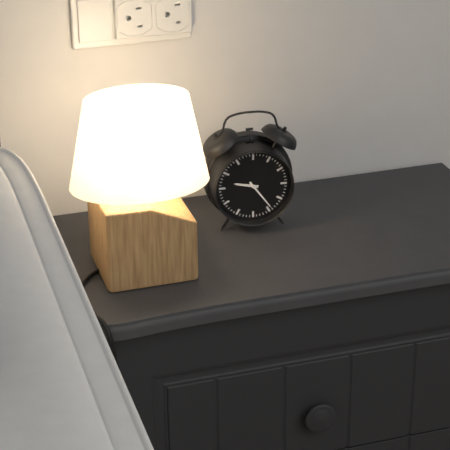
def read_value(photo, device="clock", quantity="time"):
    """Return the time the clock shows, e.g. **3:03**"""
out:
**9:24**
